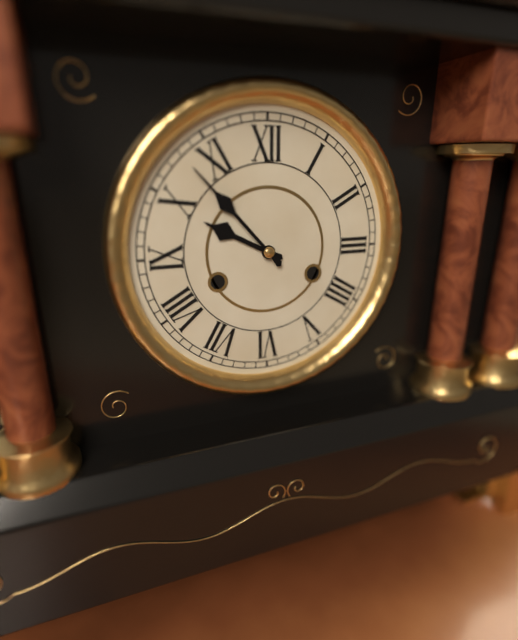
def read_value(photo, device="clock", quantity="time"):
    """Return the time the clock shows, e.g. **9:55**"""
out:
**9:53**
